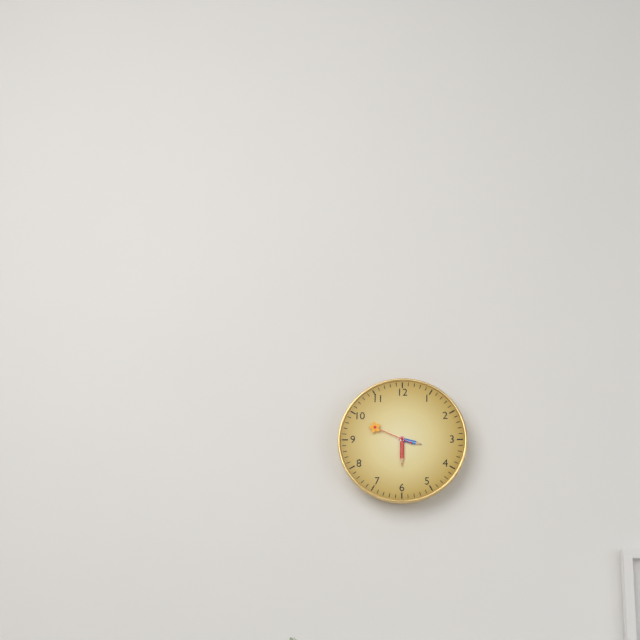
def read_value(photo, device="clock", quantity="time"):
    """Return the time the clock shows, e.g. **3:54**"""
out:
**3:30**
